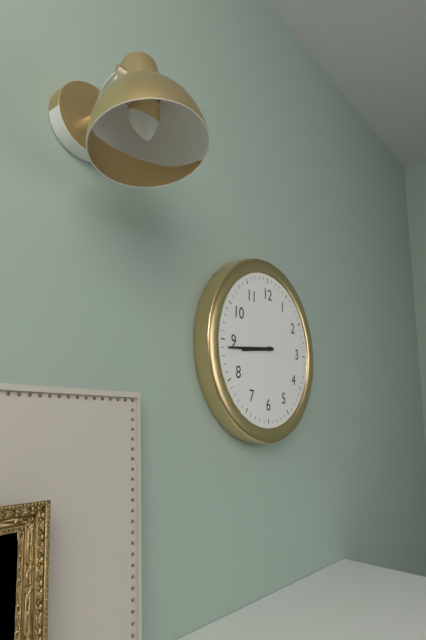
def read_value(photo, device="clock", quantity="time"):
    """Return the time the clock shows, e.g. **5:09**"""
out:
**8:44**
